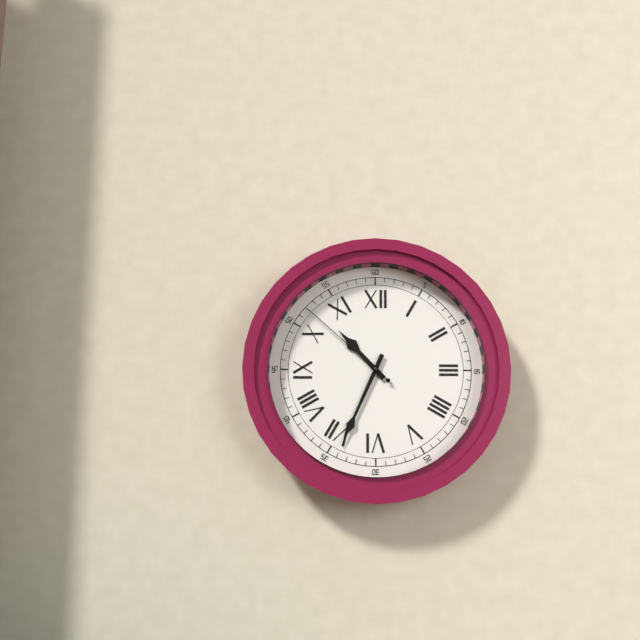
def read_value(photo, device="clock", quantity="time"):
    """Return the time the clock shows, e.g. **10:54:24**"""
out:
**10:34:52**
